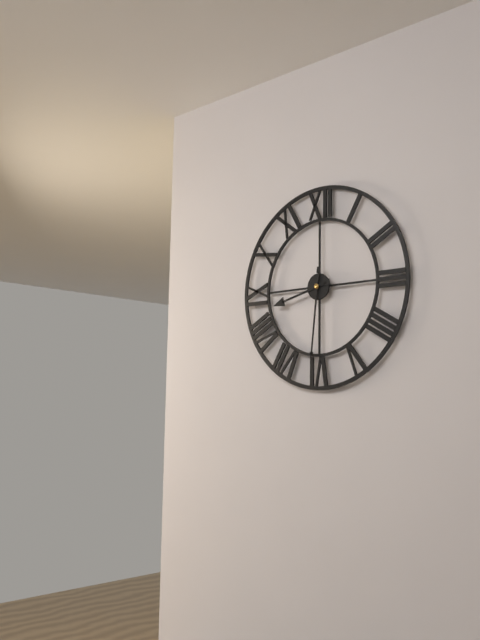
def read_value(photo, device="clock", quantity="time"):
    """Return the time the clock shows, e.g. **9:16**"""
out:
**8:31**
